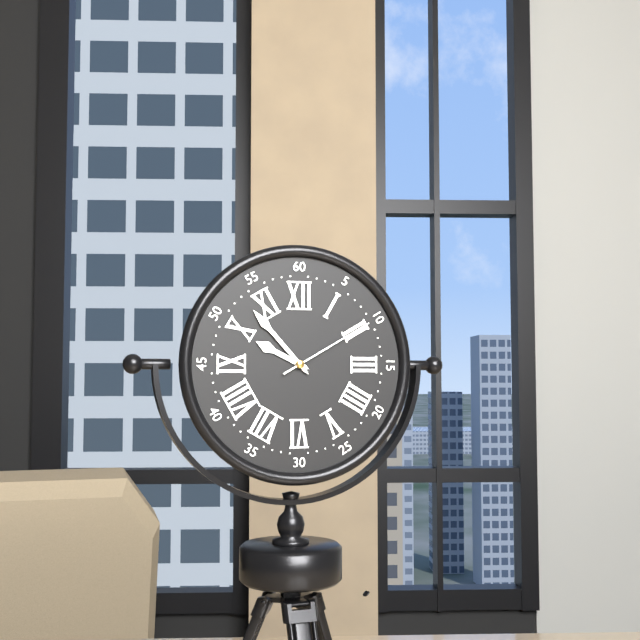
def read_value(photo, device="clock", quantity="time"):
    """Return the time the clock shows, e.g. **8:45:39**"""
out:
**9:53:10**
